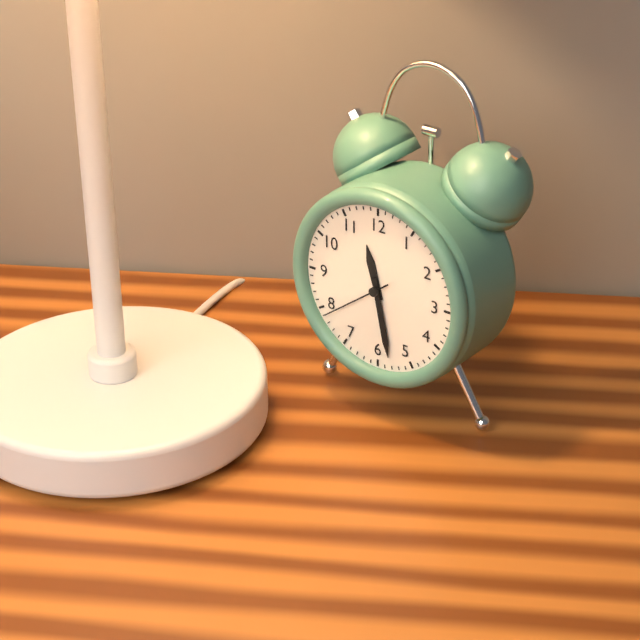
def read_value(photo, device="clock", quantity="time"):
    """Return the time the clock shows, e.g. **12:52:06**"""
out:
**11:28:39**
